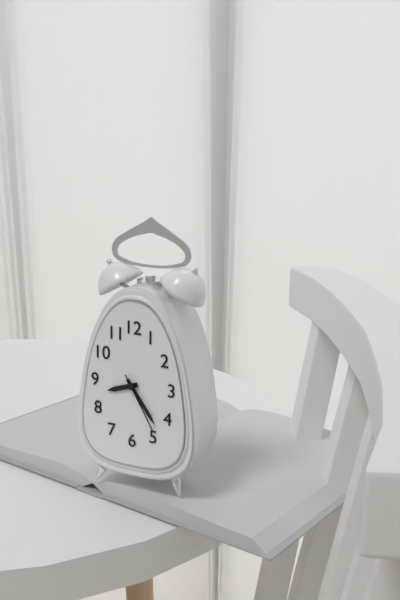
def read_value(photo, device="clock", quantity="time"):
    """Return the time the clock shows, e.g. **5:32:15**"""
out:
**8:24:25**
